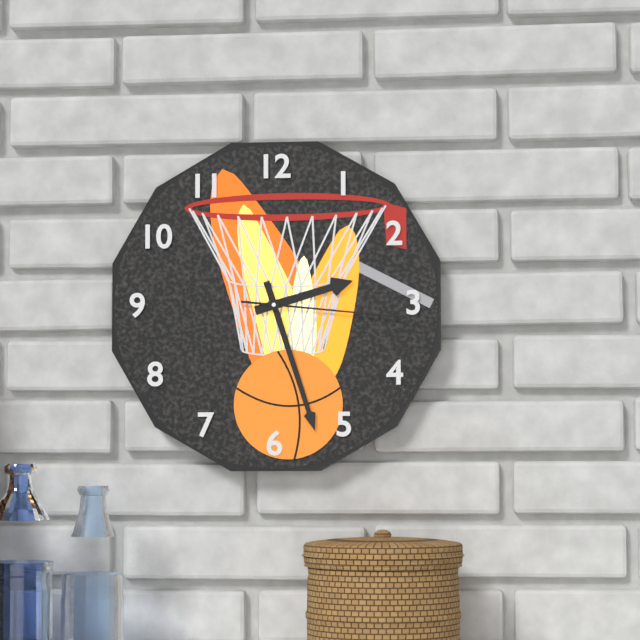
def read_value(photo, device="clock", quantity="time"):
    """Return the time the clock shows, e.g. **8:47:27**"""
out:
**2:27:16**
